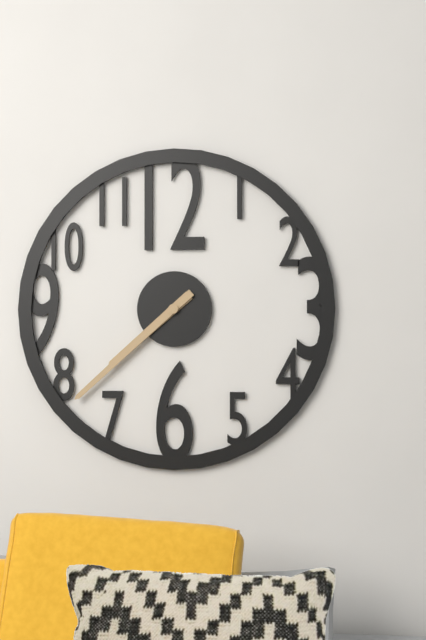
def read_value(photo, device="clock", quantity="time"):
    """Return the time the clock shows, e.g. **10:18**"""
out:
**7:38**
